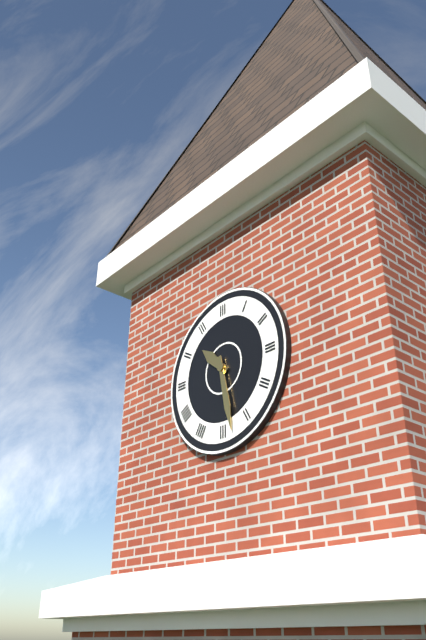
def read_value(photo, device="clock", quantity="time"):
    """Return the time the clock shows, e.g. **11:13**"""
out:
**10:28**
